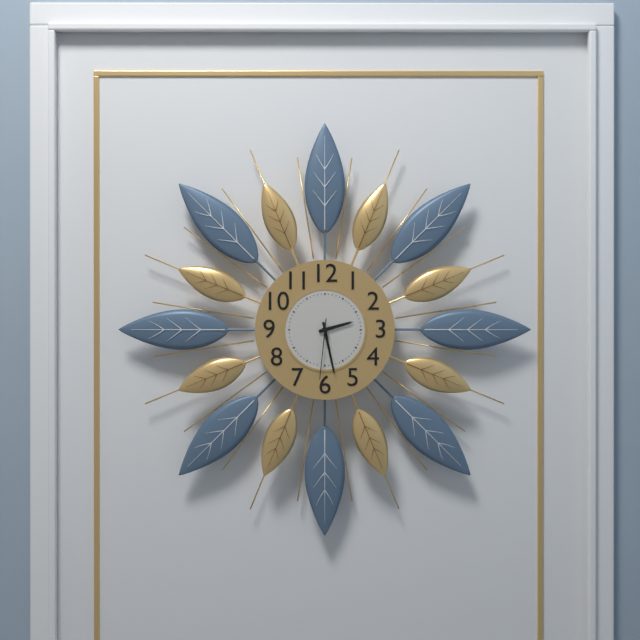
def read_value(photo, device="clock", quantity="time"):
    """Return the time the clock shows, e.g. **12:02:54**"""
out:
**2:28:31**
